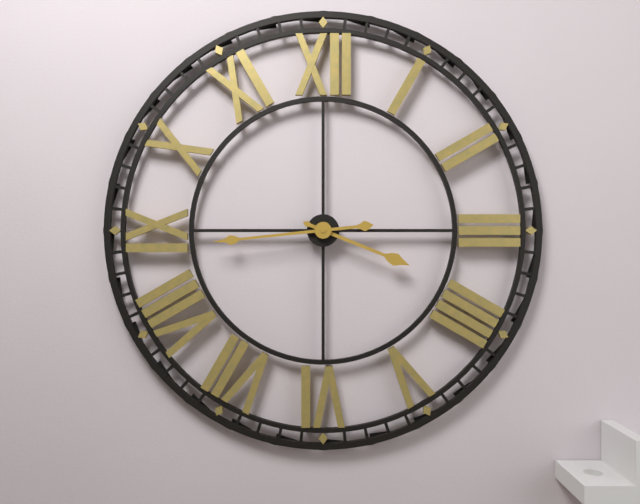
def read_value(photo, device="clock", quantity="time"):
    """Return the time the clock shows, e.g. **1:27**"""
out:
**3:44**
